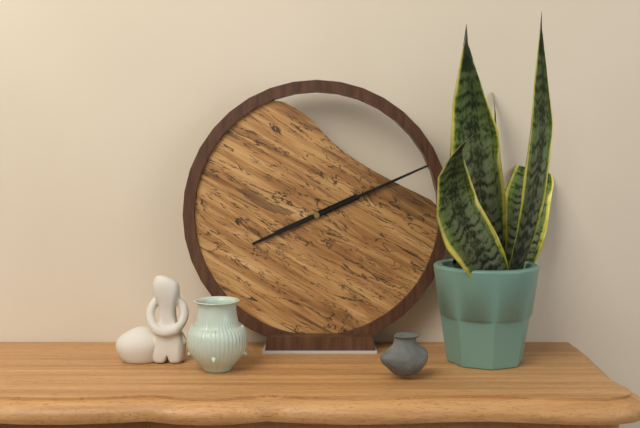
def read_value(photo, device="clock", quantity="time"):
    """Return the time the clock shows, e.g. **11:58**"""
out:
**8:11**
